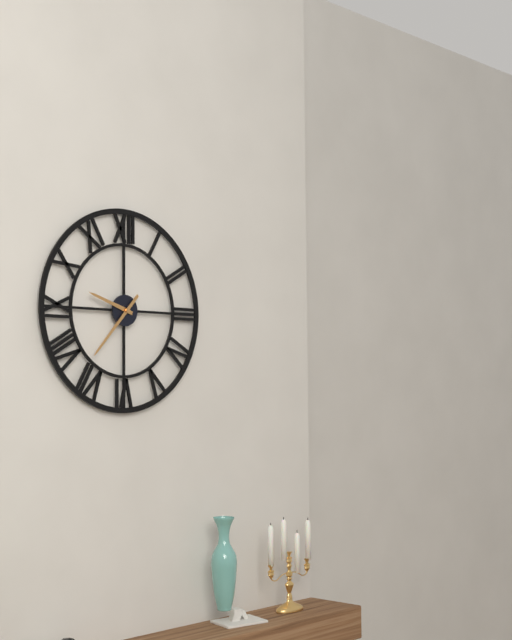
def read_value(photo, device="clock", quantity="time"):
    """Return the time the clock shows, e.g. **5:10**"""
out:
**9:37**
